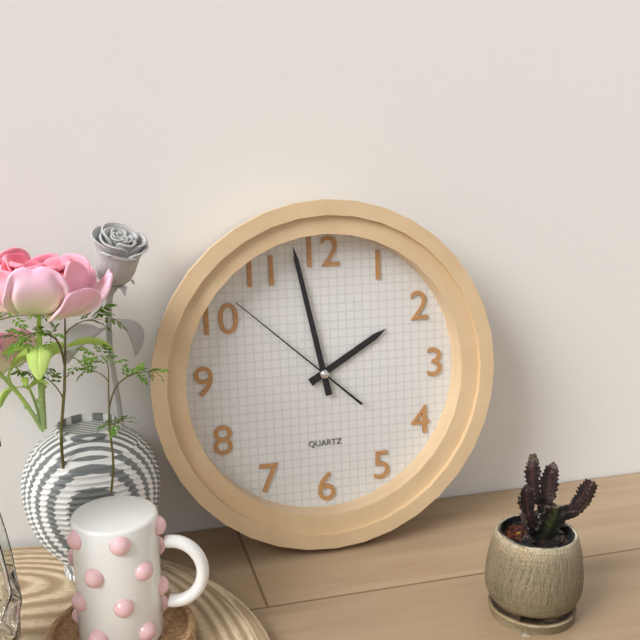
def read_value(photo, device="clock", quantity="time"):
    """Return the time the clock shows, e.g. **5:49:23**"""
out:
**1:58:52**
